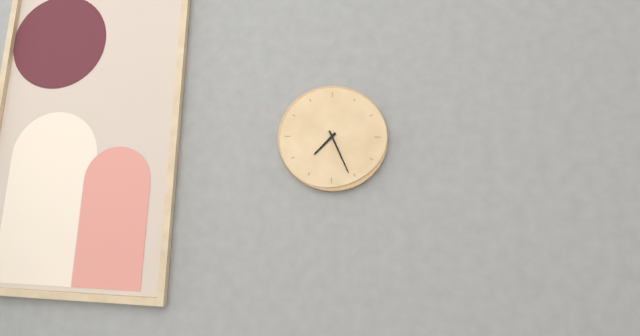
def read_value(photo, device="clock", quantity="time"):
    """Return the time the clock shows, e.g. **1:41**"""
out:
**7:26**
